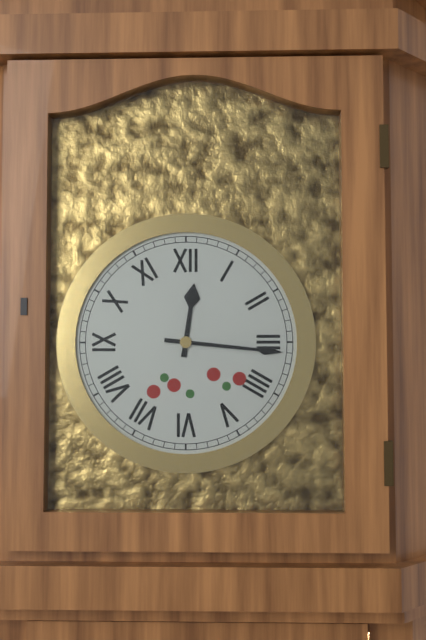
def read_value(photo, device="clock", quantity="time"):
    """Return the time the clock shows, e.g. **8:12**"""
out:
**12:16**
